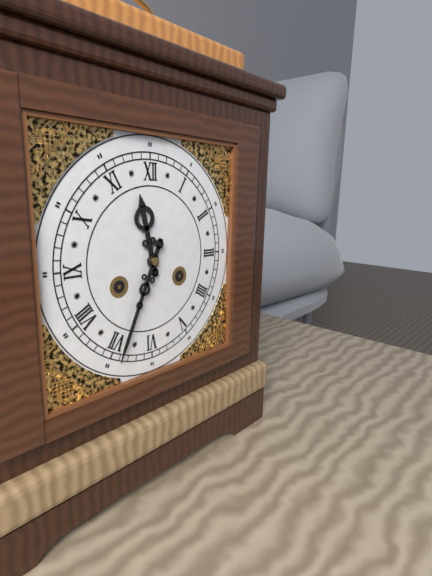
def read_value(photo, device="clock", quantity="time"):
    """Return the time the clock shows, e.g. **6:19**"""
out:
**11:34**
